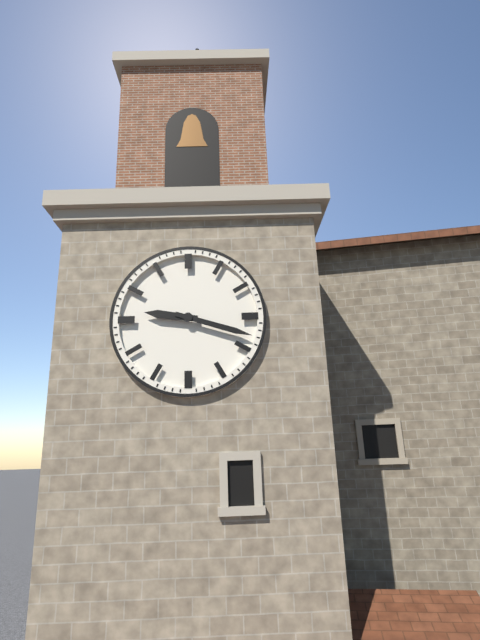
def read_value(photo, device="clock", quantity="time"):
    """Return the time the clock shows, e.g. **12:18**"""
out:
**9:18**
